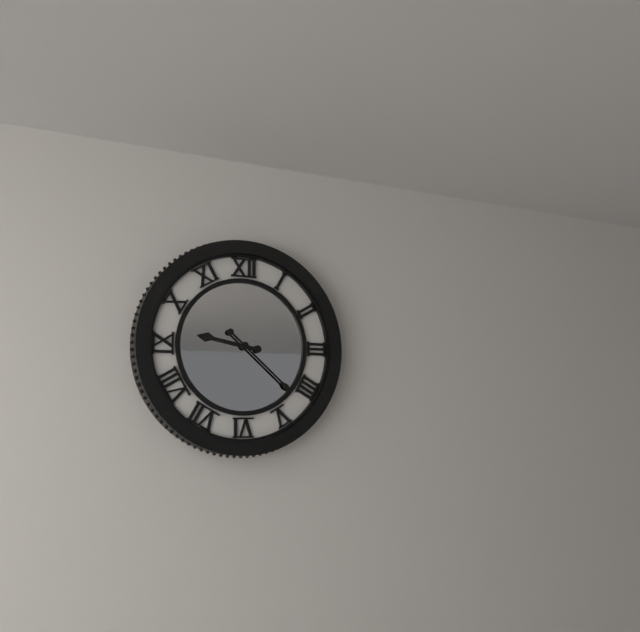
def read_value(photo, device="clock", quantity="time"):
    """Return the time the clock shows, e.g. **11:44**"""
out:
**9:22**
